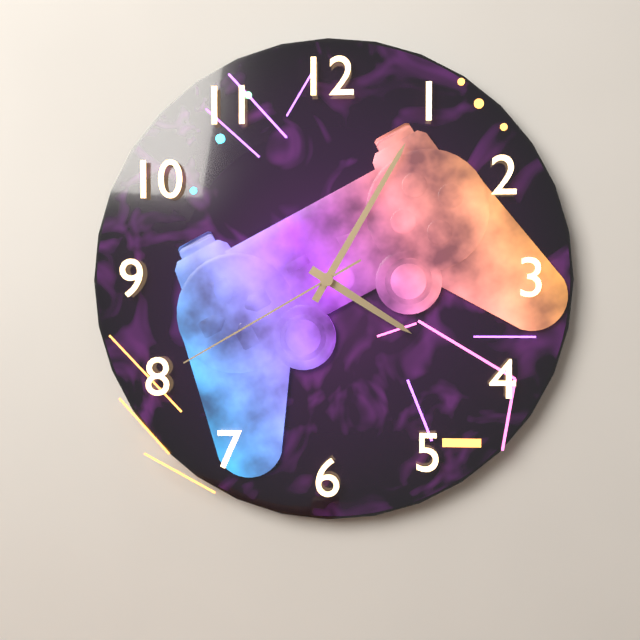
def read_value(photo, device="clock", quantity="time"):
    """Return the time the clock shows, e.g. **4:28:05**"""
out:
**4:05:40**
